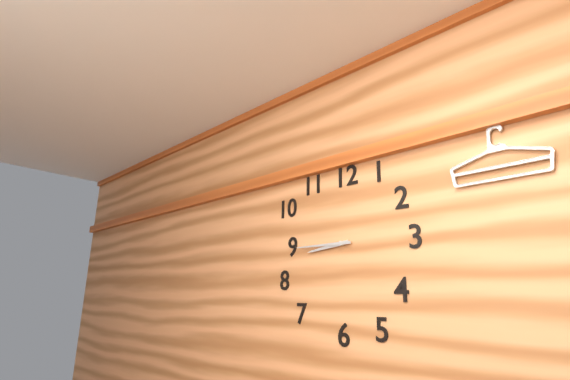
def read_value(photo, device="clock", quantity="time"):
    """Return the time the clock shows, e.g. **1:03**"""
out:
**8:45**
